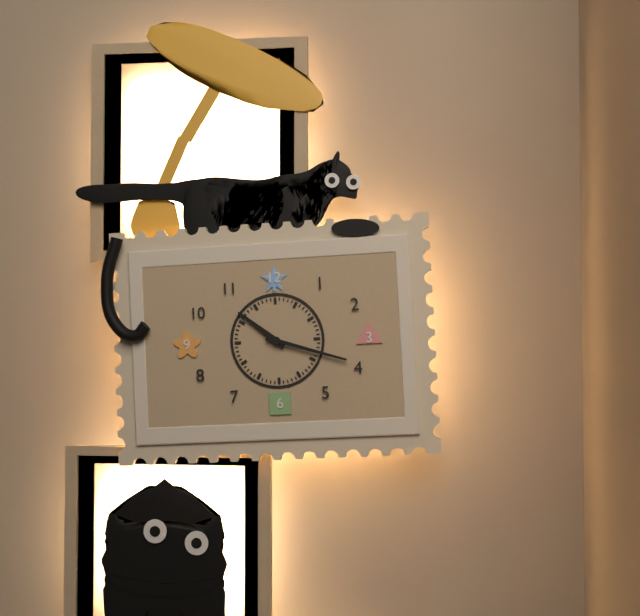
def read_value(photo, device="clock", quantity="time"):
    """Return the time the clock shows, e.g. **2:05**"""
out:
**10:18**
